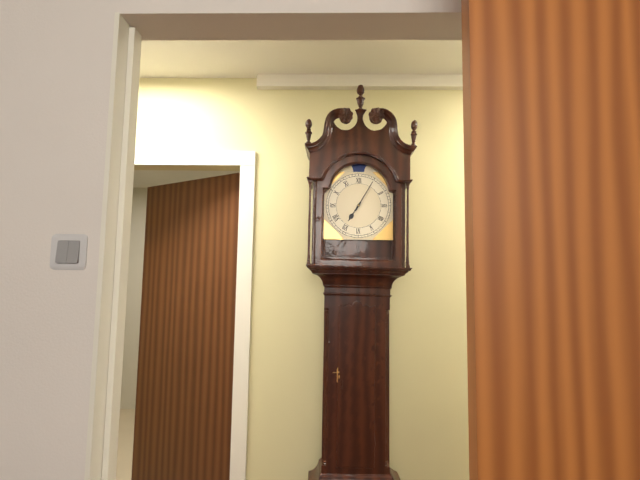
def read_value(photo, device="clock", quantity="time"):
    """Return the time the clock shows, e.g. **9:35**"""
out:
**7:05**
